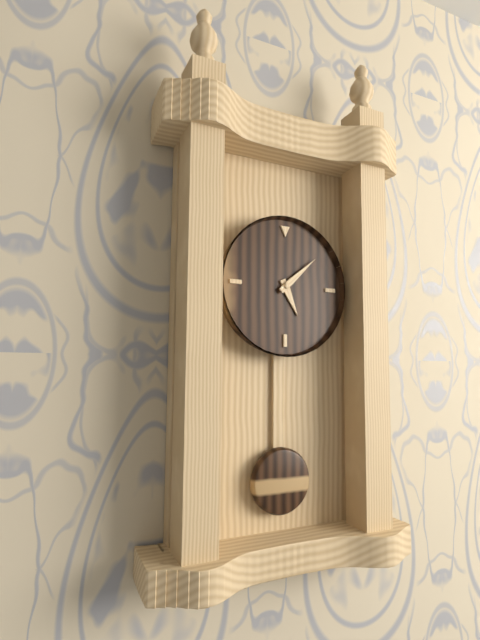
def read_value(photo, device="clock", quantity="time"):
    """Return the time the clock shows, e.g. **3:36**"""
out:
**5:08**
